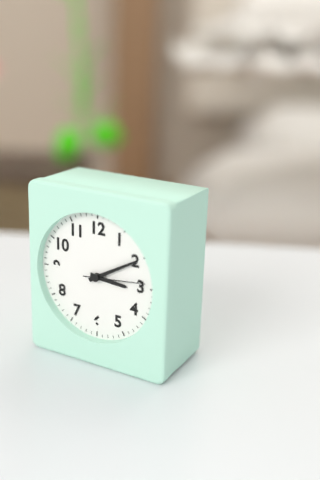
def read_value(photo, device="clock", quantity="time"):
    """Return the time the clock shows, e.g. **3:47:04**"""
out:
**3:10:14**
